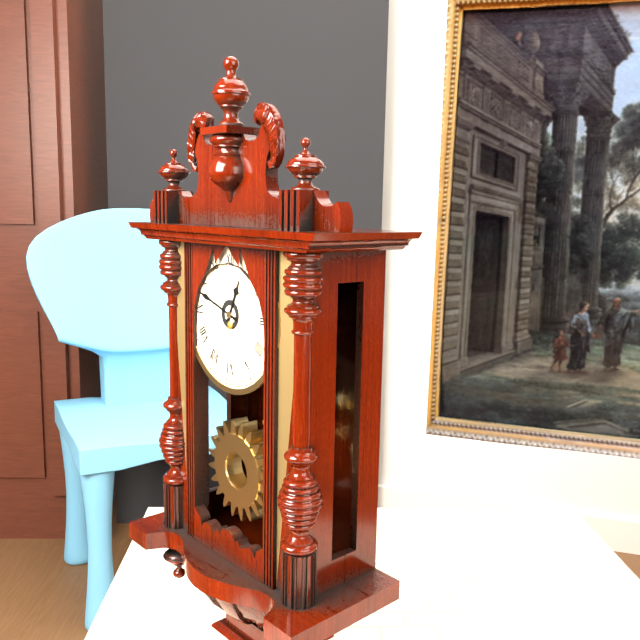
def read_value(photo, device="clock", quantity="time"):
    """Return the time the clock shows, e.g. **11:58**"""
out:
**12:48**
